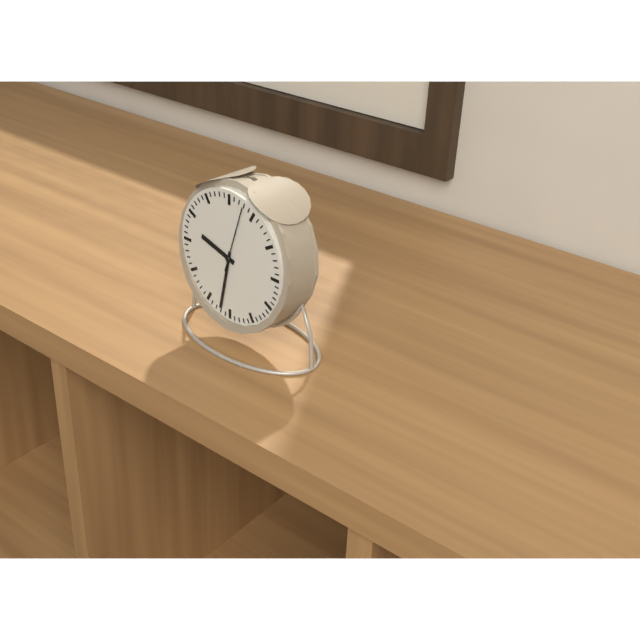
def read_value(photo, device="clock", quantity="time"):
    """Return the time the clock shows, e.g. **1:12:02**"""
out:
**9:32:03**
